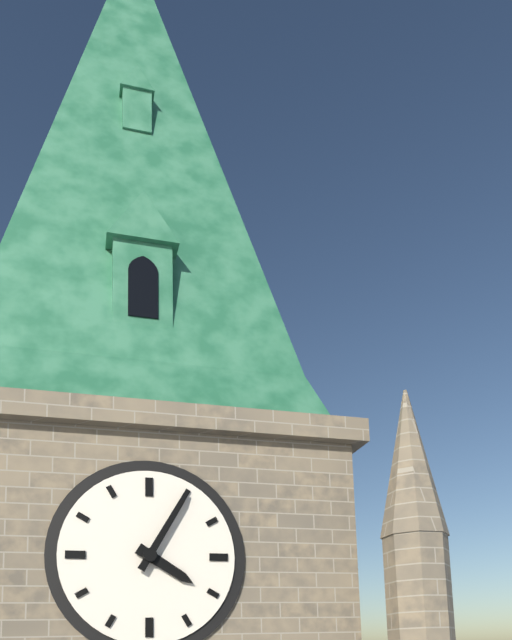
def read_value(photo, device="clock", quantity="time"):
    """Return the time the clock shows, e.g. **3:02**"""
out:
**4:05**
